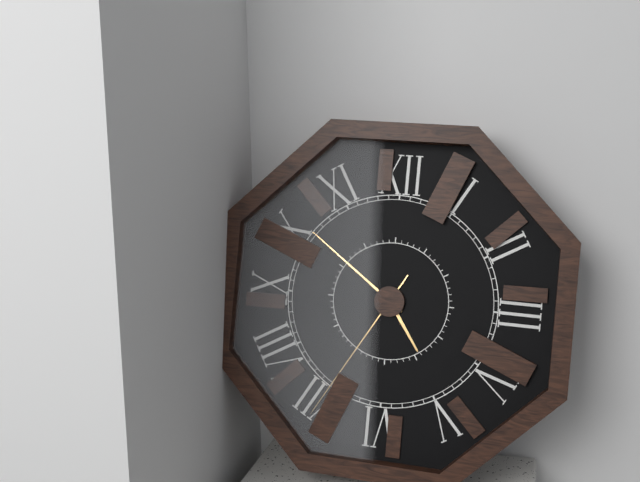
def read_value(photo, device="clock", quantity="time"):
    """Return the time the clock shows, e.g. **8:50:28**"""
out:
**4:51:35**
